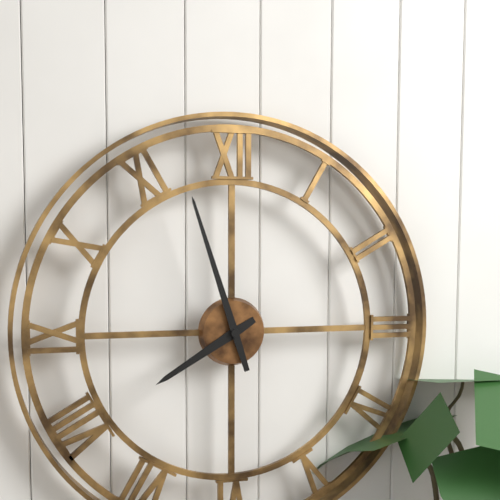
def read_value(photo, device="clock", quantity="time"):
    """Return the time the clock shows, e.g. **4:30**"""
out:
**7:57**
